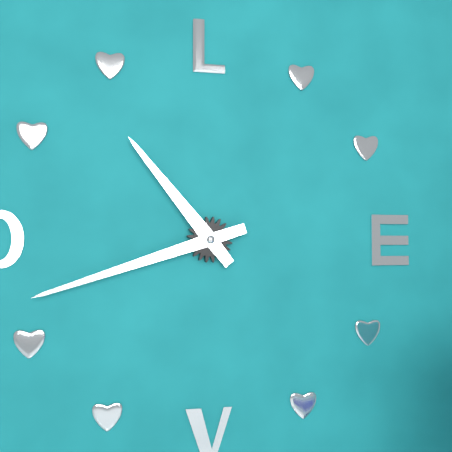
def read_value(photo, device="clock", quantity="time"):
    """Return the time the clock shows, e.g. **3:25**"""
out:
**10:42**
